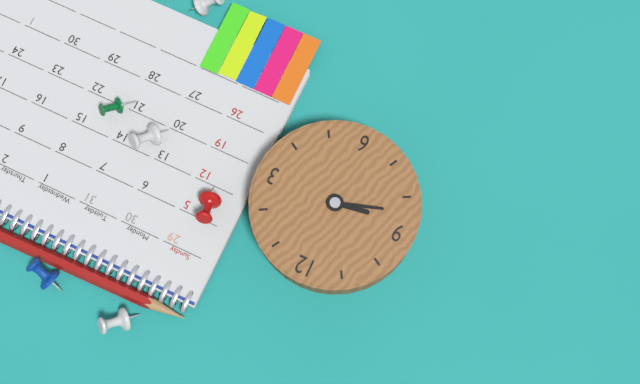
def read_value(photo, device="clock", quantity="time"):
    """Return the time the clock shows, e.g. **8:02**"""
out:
**8:42**
